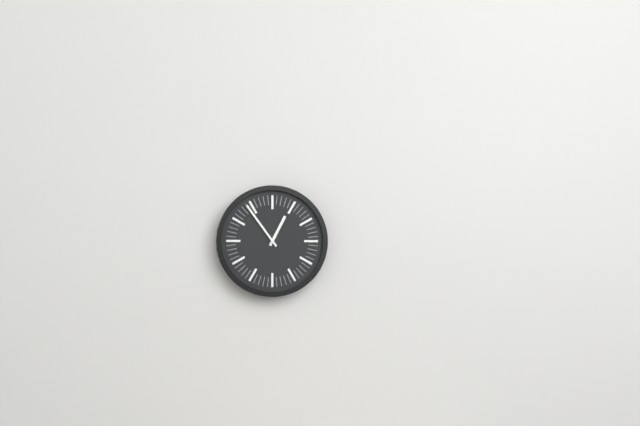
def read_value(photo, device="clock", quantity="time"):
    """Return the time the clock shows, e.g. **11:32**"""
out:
**12:54**
